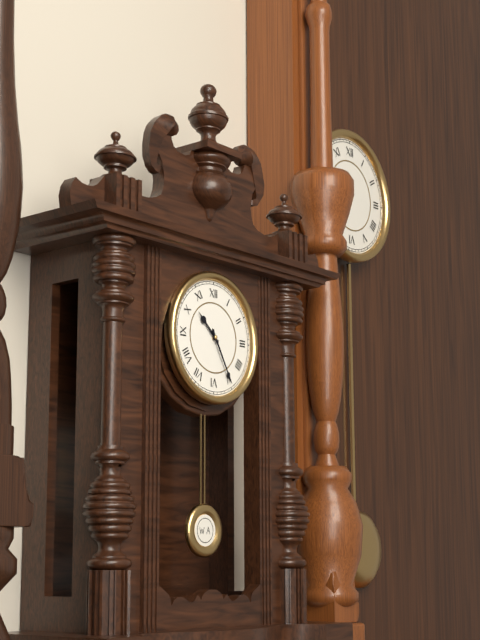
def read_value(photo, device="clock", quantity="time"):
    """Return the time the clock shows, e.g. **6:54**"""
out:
**10:25**
